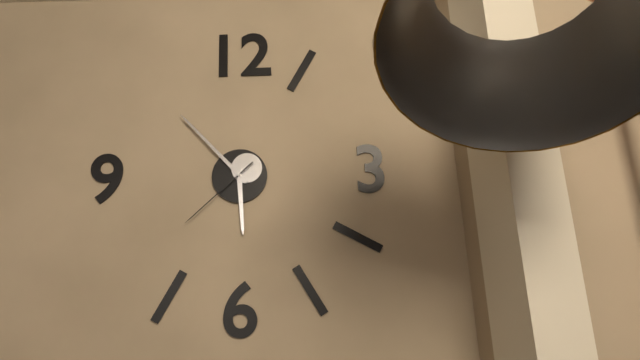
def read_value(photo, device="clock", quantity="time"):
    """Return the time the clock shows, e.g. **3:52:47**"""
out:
**5:53:38**
